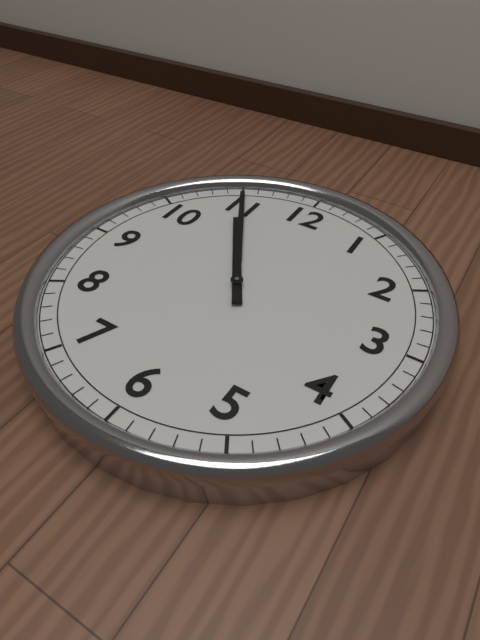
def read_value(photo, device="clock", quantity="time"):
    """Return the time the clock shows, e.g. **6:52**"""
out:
**10:55**
